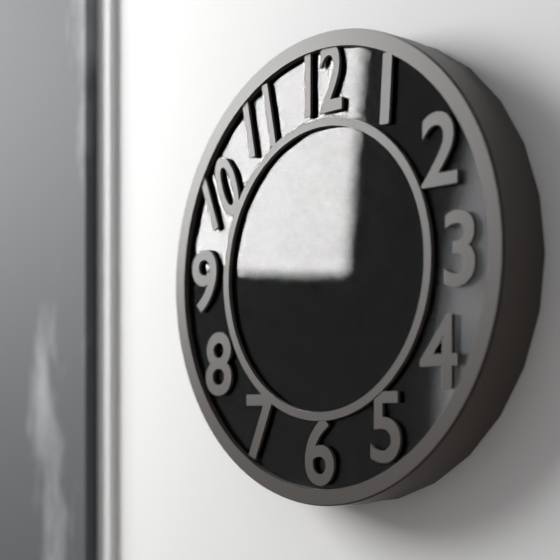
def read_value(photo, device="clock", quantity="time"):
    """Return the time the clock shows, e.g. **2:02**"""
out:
**12:59**
